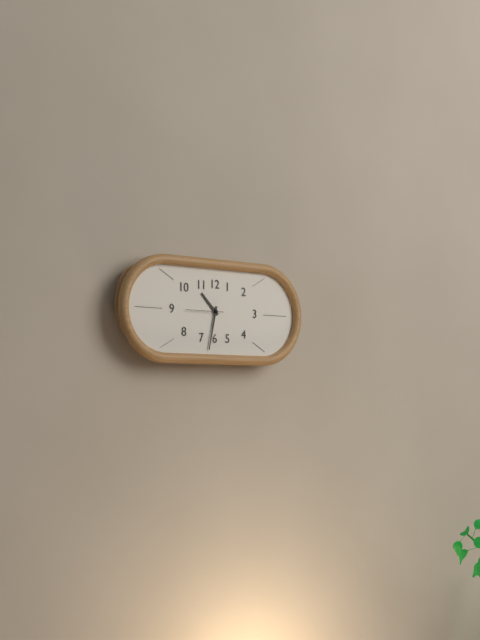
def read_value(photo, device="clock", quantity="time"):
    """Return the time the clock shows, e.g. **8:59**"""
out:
**10:32**
